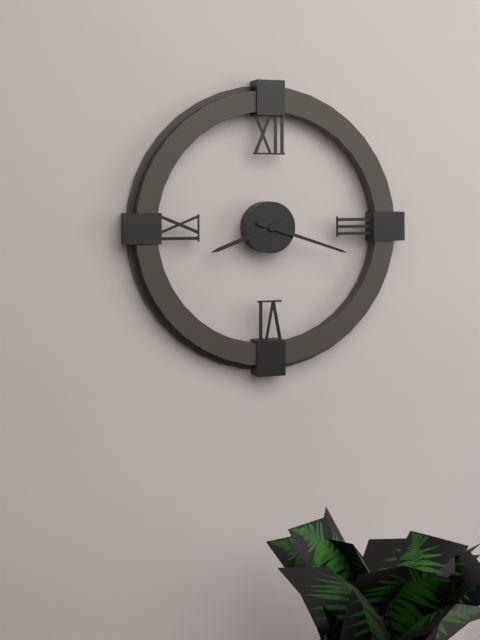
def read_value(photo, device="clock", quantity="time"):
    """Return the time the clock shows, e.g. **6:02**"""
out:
**8:18**
